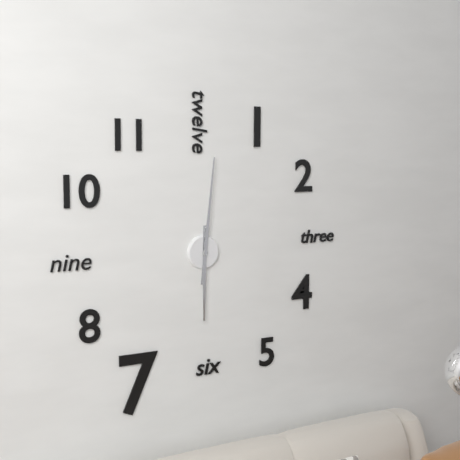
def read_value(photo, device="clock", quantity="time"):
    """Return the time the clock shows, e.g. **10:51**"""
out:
**6:01**
